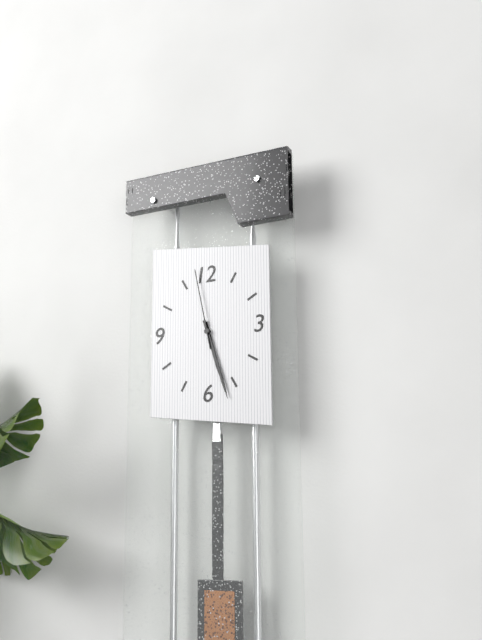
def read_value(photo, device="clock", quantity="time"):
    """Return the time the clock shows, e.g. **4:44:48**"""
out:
**5:27:58**
